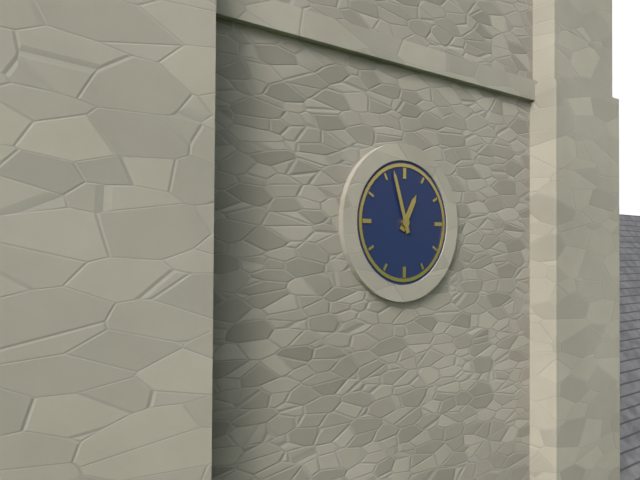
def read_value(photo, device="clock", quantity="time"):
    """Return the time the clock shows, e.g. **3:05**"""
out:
**12:57**
